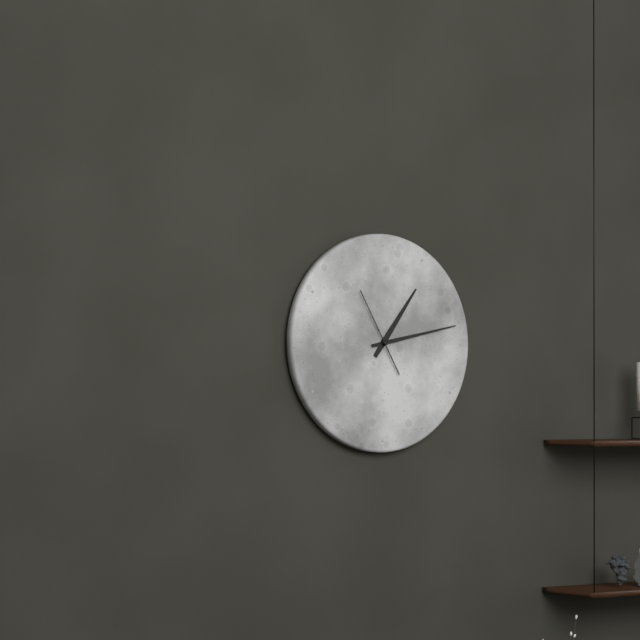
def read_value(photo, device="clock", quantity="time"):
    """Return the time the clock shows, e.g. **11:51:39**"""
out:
**1:13:55**
